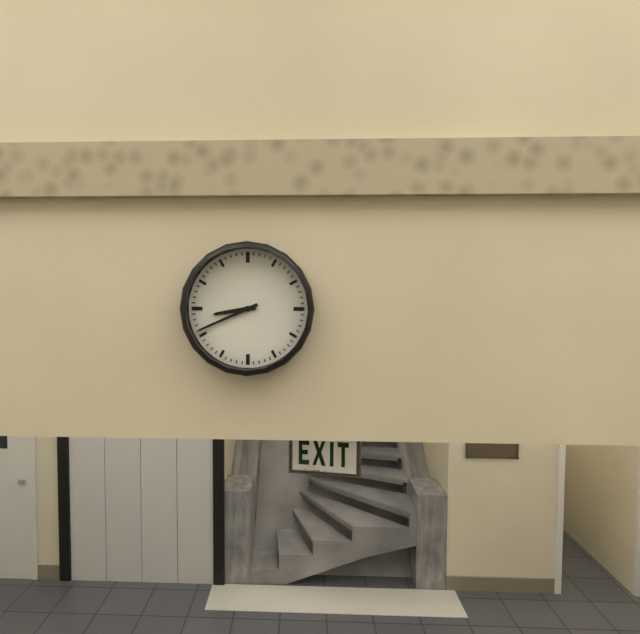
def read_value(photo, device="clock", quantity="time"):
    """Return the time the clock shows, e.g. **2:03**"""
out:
**8:41**
